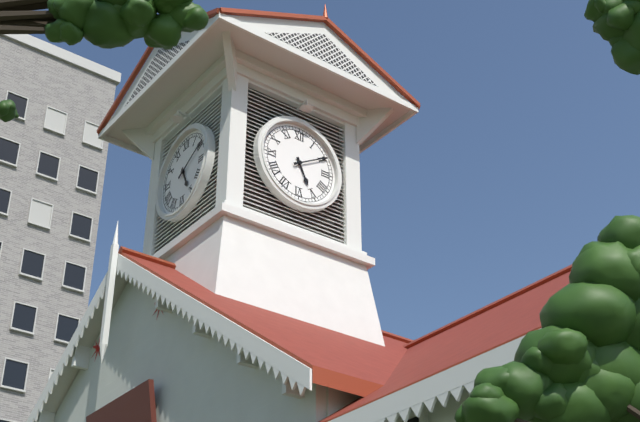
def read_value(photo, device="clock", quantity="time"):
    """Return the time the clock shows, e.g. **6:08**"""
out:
**5:10**
